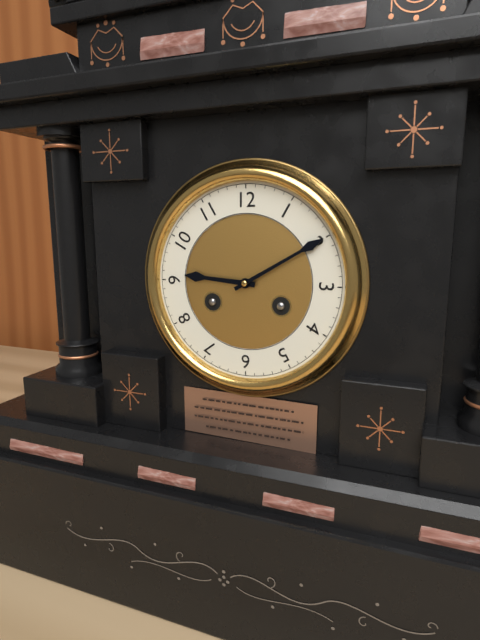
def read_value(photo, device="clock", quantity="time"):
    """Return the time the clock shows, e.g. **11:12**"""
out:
**9:10**
